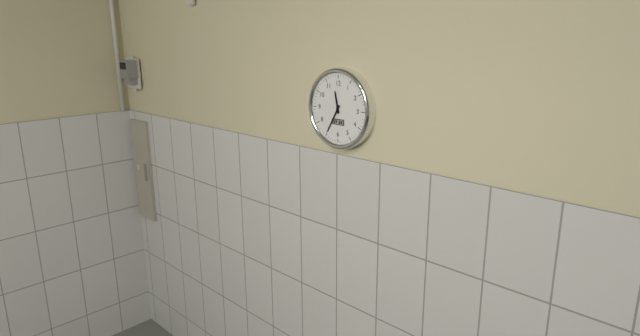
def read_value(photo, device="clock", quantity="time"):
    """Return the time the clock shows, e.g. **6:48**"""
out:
**11:35**
